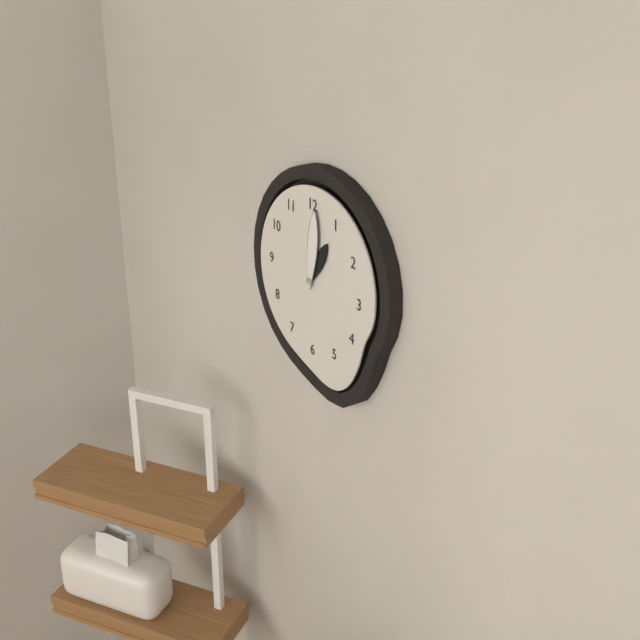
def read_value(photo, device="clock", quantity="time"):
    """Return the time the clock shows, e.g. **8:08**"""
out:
**1:01**
